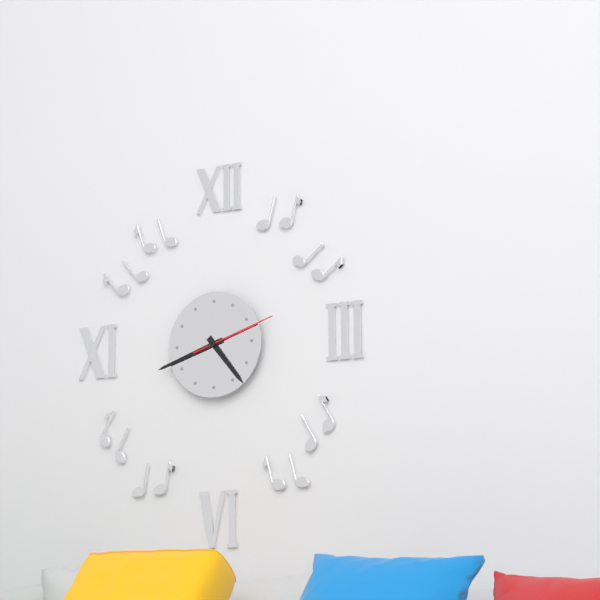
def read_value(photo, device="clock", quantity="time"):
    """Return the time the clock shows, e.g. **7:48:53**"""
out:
**4:42:12**
